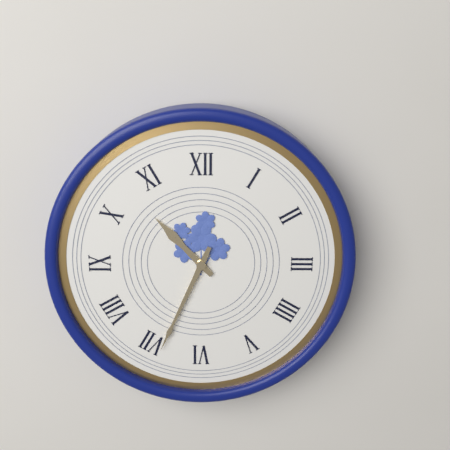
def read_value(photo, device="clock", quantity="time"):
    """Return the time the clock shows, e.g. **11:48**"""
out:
**10:34**
